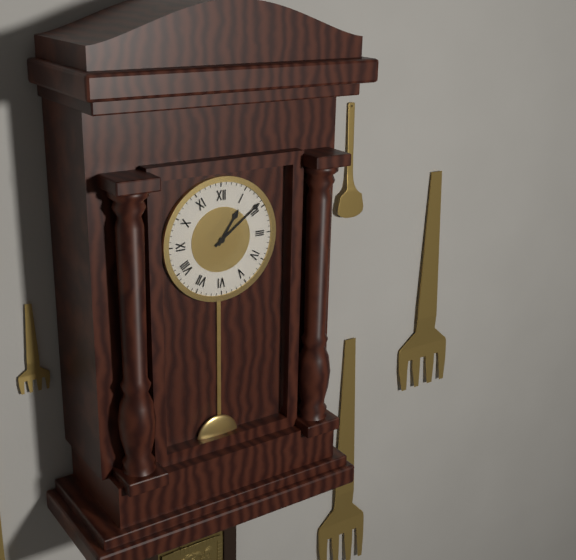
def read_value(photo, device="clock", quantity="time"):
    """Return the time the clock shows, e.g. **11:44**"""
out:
**1:09**
